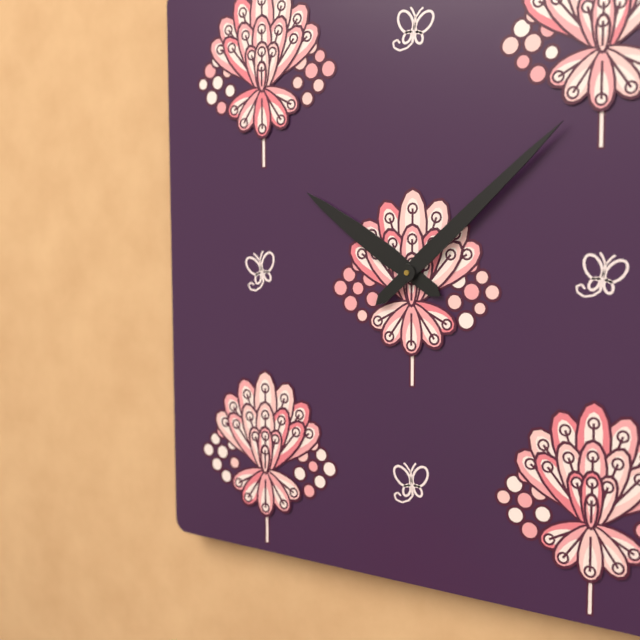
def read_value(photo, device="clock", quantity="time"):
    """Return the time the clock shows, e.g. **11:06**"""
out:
**10:08**
